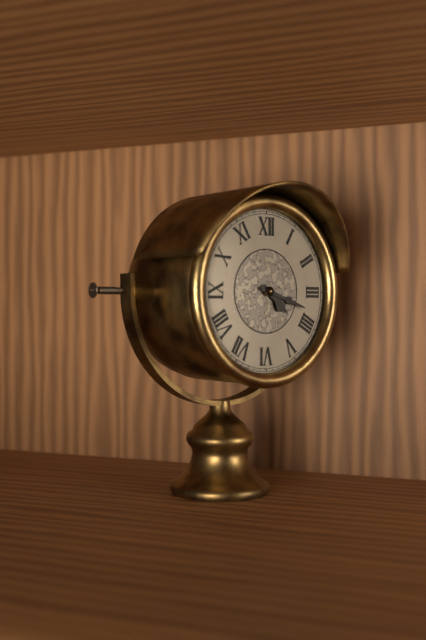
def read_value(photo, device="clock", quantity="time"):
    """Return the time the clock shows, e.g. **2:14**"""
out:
**4:18**
